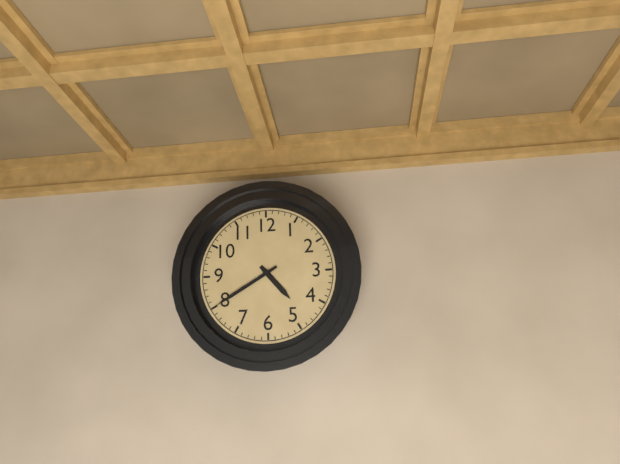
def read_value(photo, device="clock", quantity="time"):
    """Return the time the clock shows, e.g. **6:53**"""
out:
**4:40**
